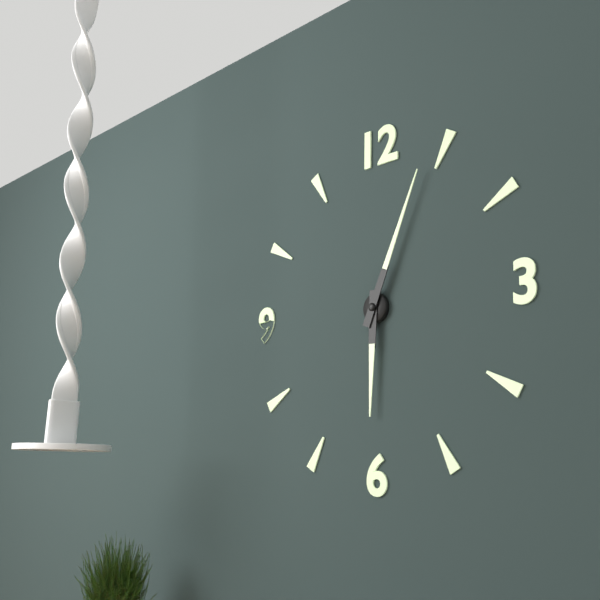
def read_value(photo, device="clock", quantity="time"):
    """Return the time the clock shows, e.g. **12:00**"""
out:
**6:04**
